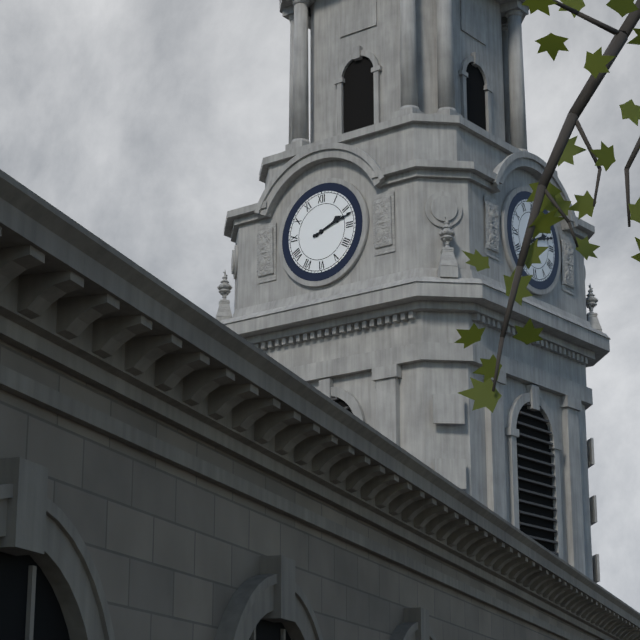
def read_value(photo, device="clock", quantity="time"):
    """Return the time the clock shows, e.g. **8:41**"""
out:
**2:12**
